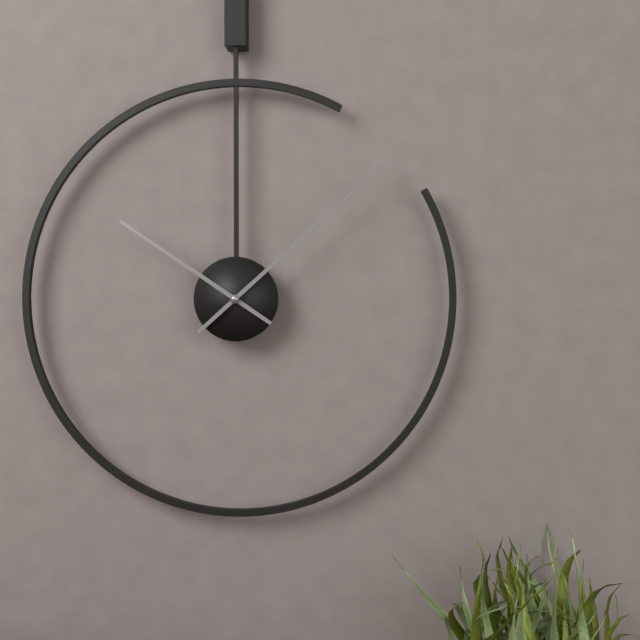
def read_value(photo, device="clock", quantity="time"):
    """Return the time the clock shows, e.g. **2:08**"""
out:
**10:08**
